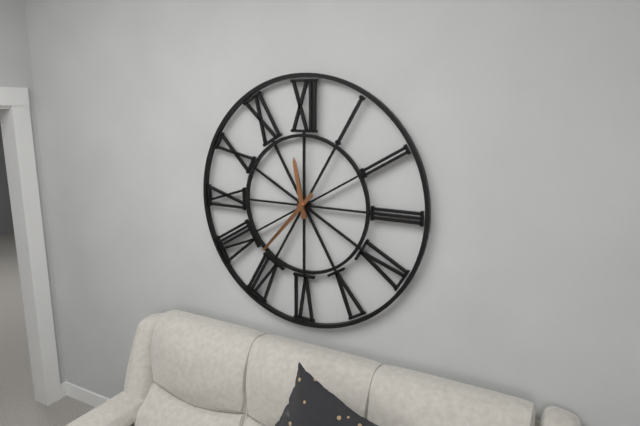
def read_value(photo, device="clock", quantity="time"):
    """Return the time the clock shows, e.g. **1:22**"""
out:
**11:37**
